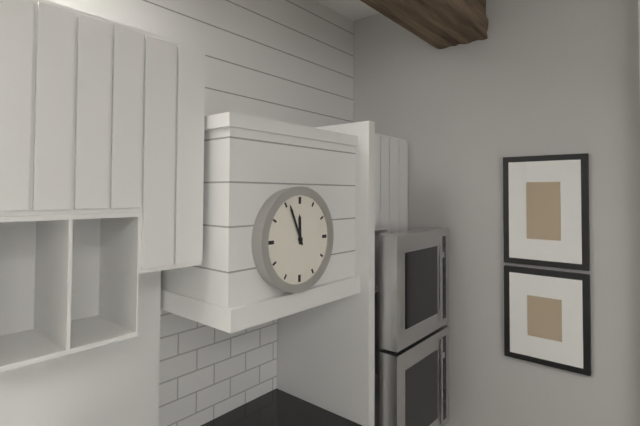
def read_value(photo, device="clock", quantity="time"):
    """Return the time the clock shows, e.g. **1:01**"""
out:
**11:56**
